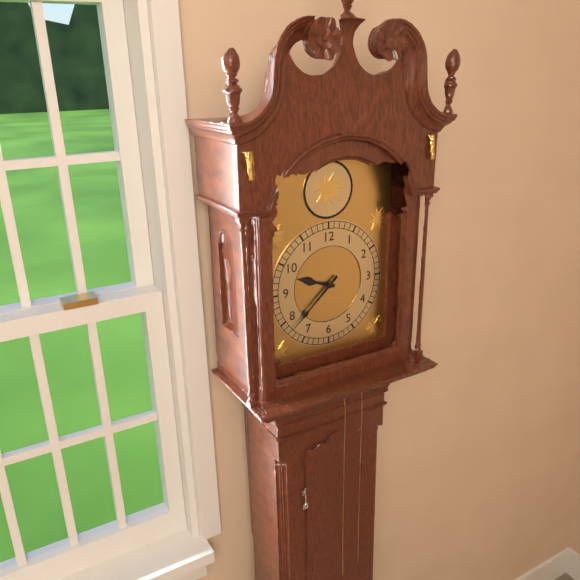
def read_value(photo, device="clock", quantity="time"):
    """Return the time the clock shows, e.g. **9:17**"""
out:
**9:38**
